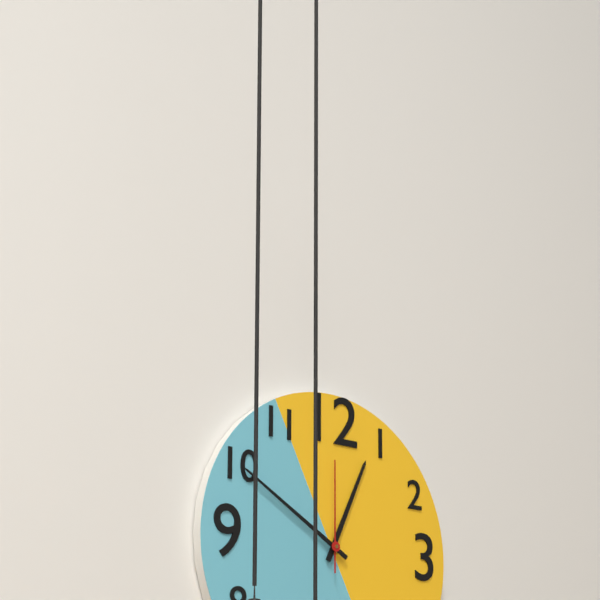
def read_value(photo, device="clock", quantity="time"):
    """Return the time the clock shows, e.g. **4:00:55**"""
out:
**12:50:00**
